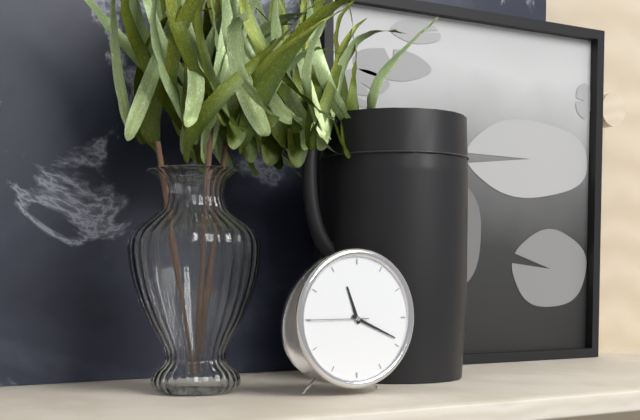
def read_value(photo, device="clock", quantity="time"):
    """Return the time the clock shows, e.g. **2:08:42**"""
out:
**11:19:45**
